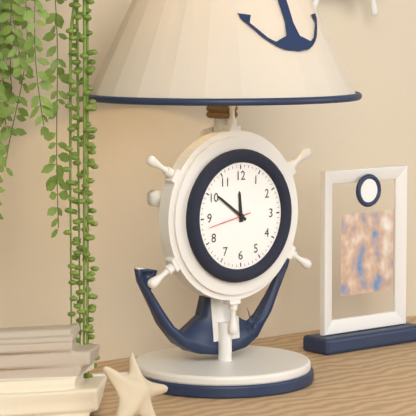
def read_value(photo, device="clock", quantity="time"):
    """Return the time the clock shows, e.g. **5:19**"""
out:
**11:51**
